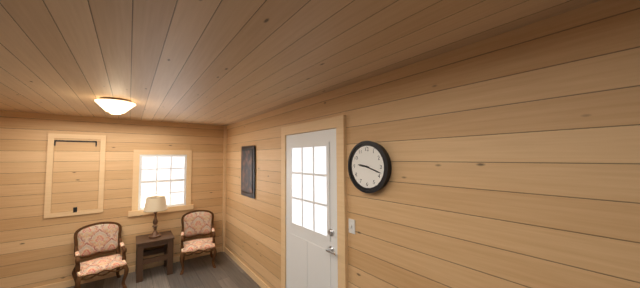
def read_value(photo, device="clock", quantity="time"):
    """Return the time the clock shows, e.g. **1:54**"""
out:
**9:18**
